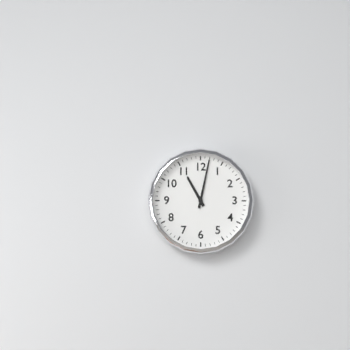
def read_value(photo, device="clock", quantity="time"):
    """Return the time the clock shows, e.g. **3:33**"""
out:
**11:02**
